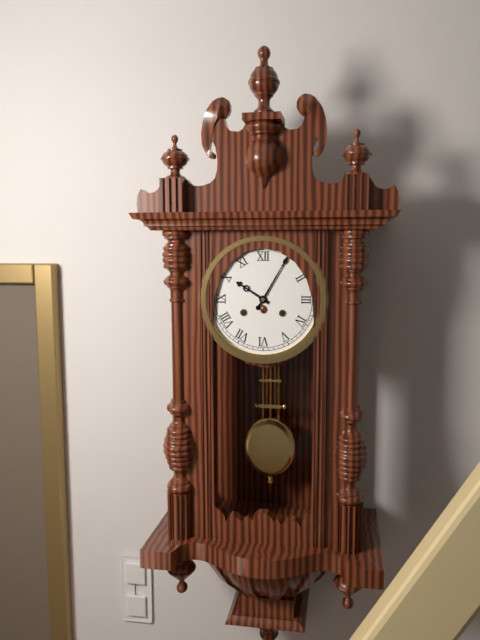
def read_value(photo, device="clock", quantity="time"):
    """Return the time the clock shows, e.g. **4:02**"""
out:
**10:05**
